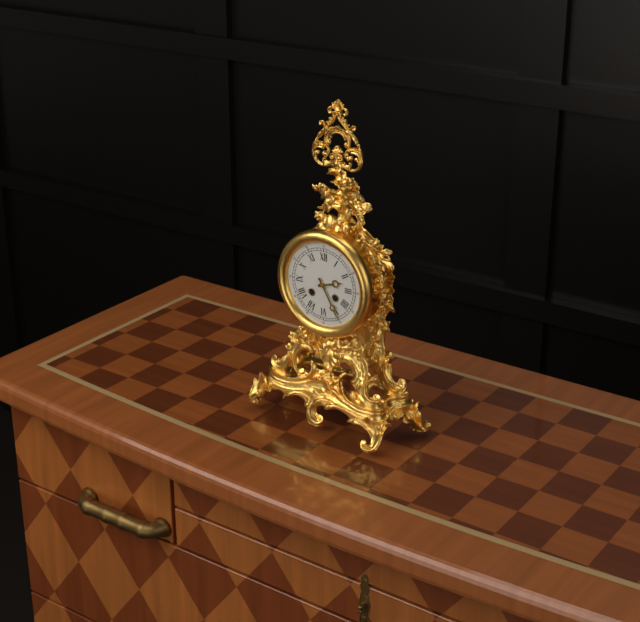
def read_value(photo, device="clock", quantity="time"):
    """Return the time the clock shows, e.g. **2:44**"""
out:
**2:25**
